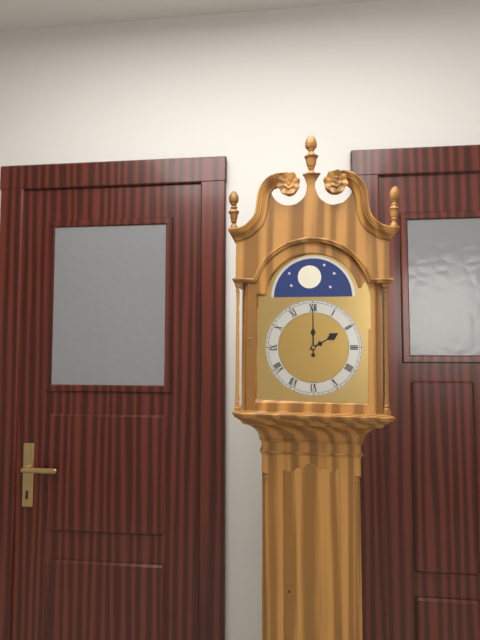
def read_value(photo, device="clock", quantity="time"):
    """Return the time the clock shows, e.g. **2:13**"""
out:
**2:00**
